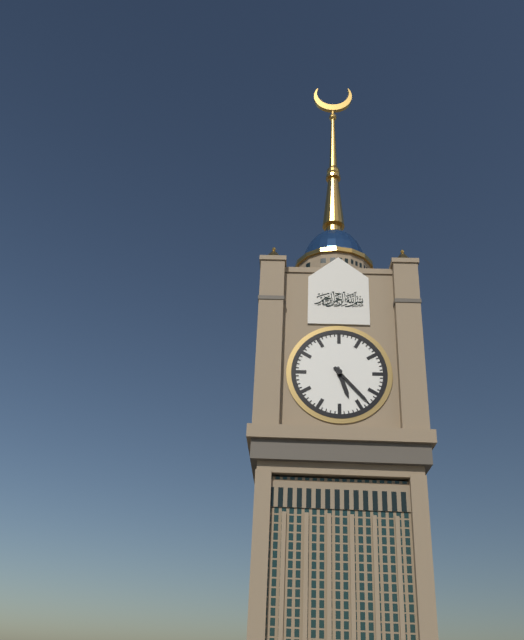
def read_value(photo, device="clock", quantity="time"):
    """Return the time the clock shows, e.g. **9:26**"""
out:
**5:23**
